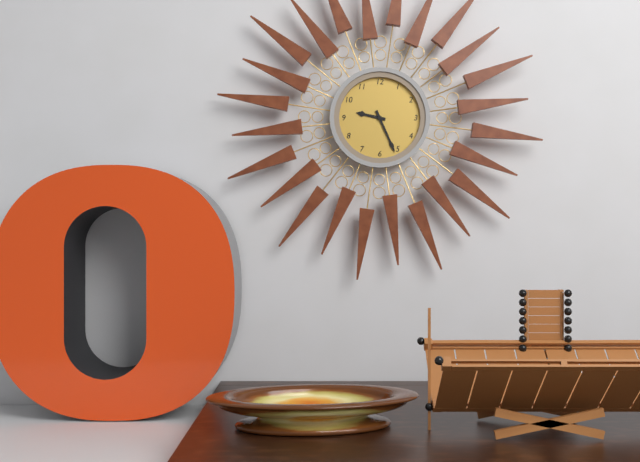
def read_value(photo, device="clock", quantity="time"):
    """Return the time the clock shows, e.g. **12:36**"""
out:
**9:26**
